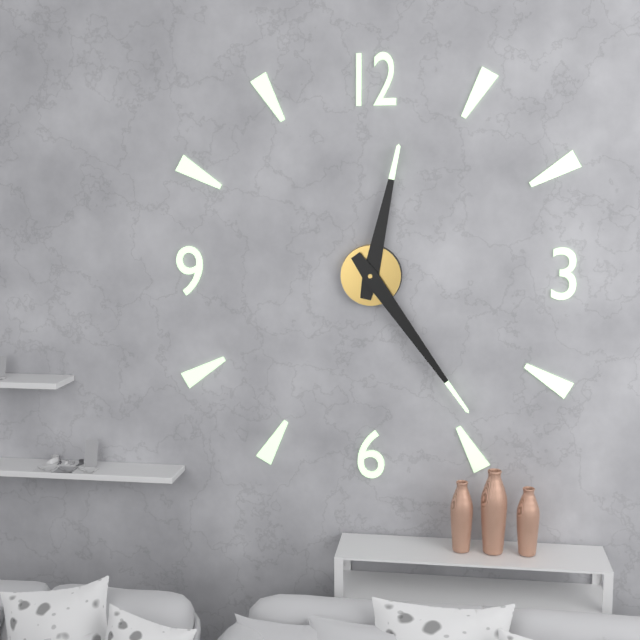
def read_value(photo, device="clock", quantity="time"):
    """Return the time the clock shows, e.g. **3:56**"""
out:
**12:24**
